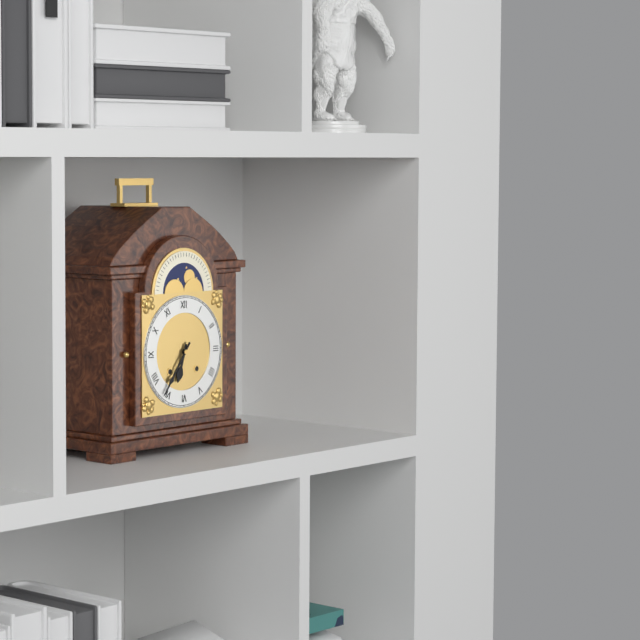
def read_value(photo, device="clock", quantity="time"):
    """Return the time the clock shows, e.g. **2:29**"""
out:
**6:36**
